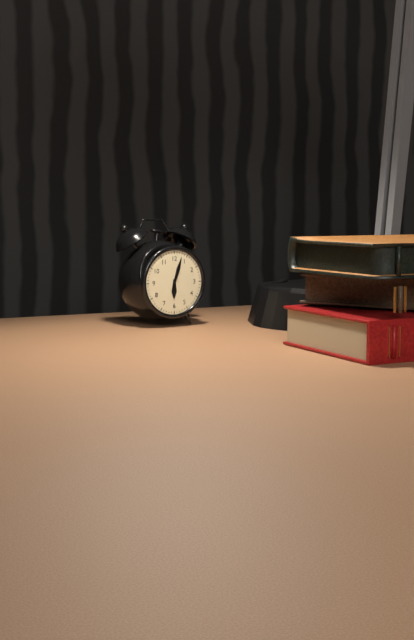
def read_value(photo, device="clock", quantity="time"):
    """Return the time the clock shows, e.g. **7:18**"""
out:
**6:03**
